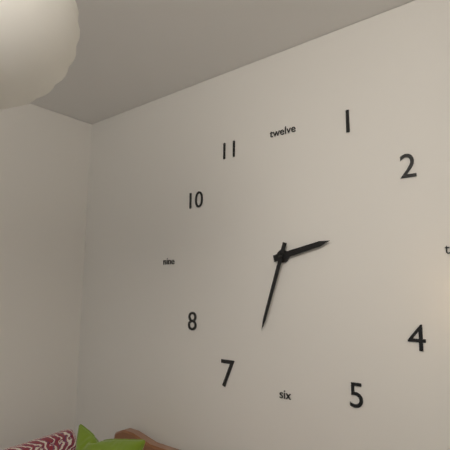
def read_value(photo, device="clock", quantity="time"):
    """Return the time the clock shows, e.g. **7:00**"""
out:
**2:33**
